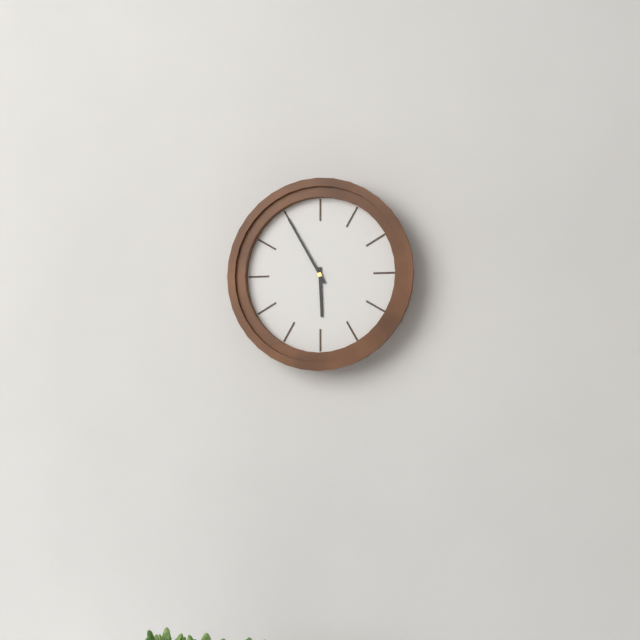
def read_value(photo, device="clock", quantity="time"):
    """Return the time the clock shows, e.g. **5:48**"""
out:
**5:55**
